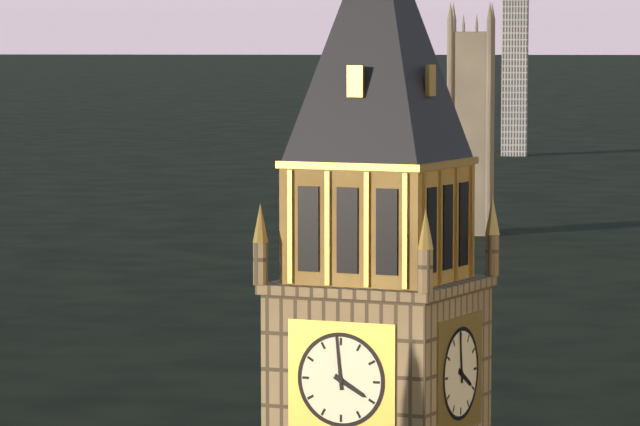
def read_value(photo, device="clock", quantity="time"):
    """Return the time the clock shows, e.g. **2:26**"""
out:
**3:59**
